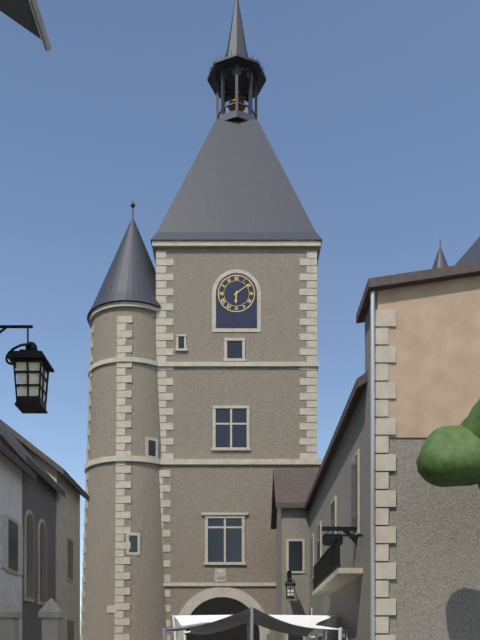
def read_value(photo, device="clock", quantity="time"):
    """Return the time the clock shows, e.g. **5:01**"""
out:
**6:09**
